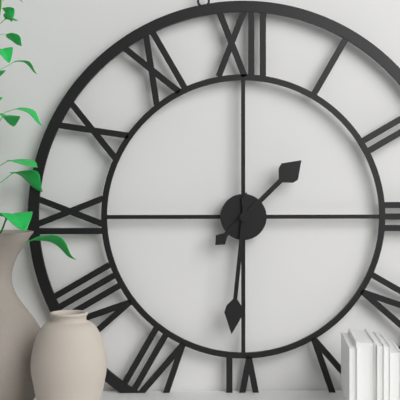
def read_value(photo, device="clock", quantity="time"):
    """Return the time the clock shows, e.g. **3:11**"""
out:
**1:31**
